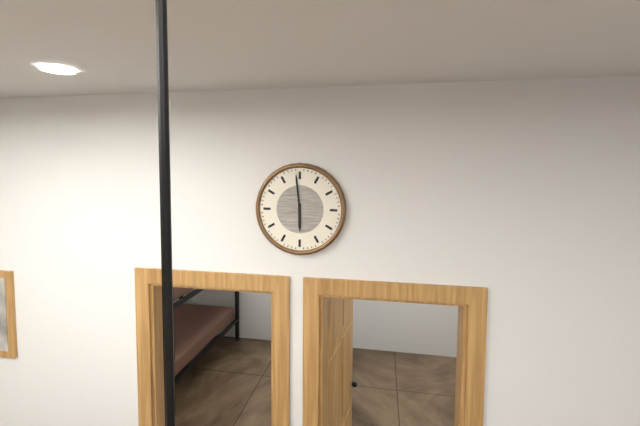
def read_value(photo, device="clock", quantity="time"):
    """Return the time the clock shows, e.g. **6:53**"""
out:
**5:59**
